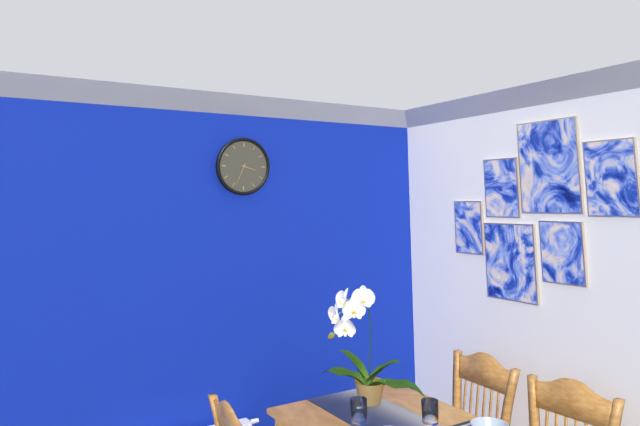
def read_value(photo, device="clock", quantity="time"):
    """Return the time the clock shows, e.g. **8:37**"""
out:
**3:34**
